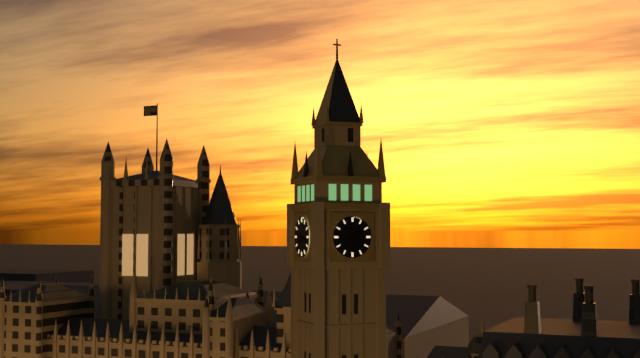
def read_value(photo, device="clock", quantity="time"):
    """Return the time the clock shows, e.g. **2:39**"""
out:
**3:41**
